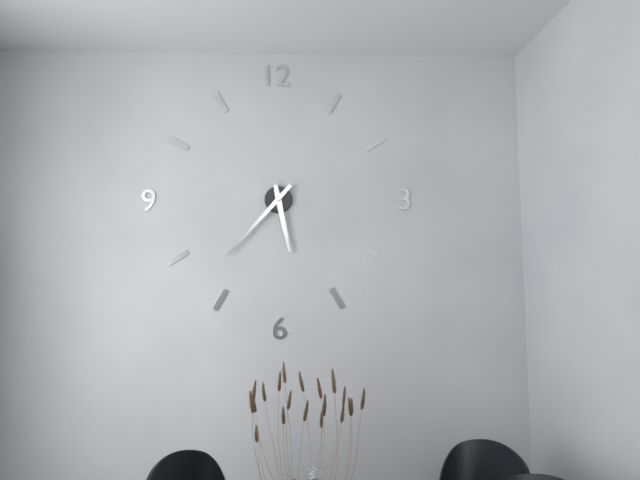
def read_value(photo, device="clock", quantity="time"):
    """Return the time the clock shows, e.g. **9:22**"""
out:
**5:37**
